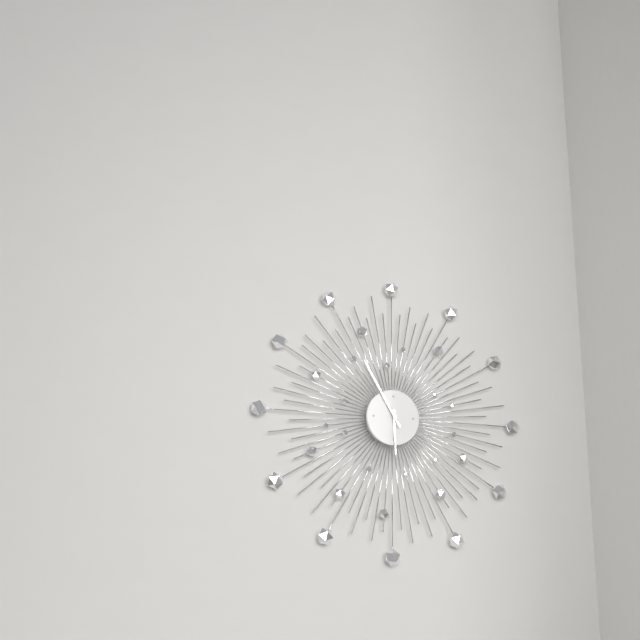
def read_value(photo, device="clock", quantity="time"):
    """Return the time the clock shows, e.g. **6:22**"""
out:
**5:55**
